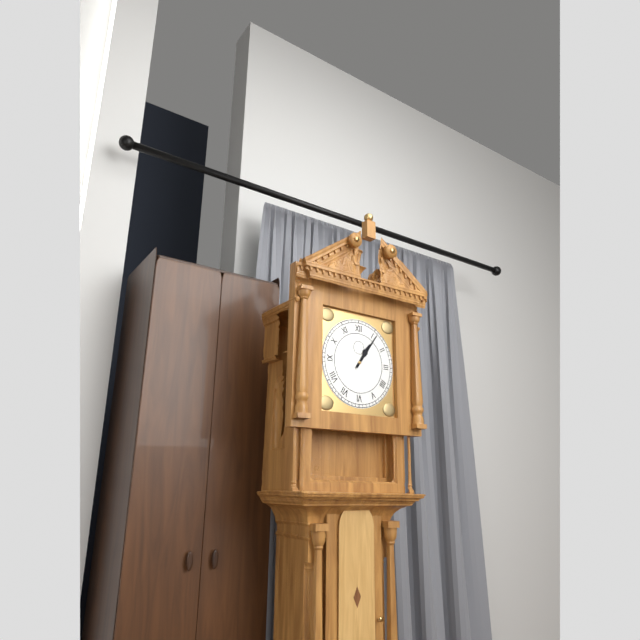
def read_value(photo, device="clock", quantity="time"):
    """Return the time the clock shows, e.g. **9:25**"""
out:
**1:06**
